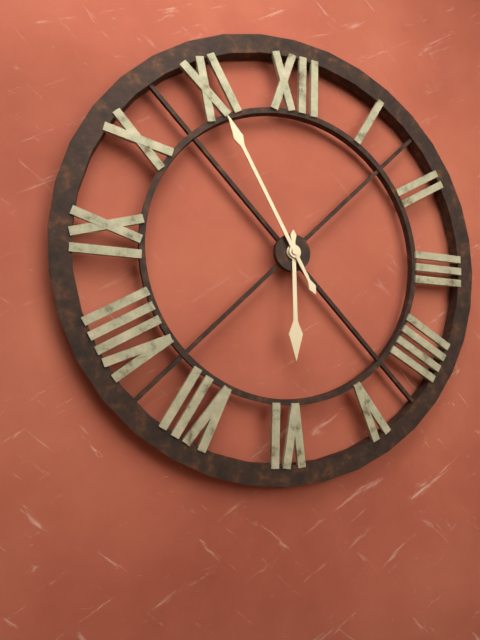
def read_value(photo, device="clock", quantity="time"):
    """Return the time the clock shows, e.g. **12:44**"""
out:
**5:55**
